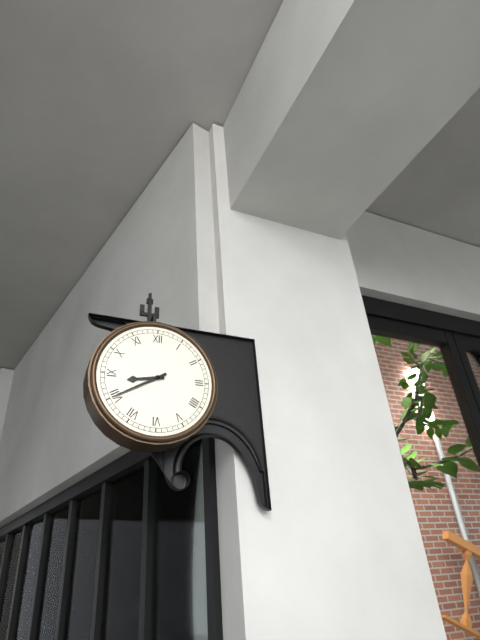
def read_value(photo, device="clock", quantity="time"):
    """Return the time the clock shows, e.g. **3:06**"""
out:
**8:40**
